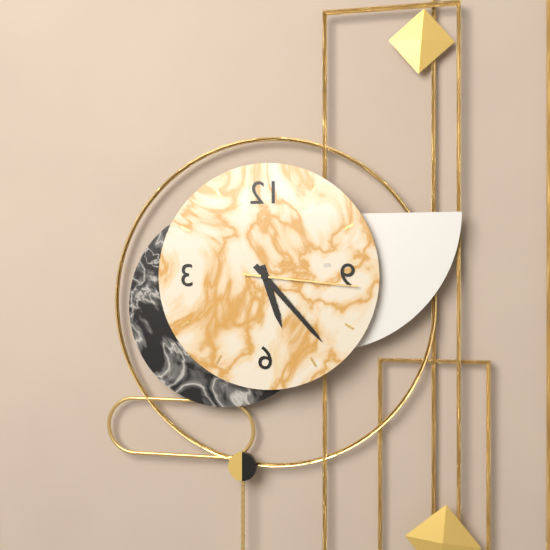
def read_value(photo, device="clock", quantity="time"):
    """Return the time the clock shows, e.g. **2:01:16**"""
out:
**5:23:16**
